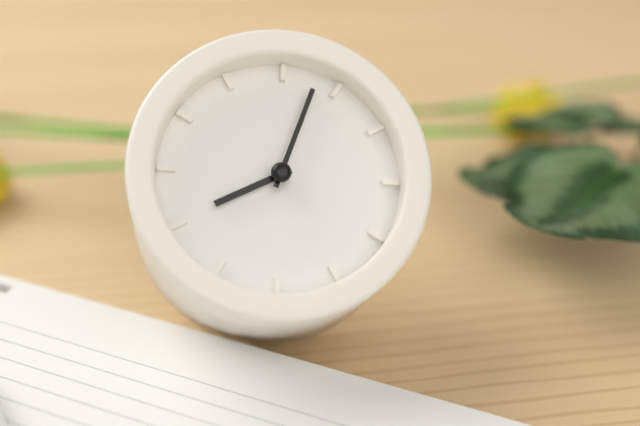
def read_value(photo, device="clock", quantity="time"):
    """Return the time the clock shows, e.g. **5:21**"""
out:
**8:03**
